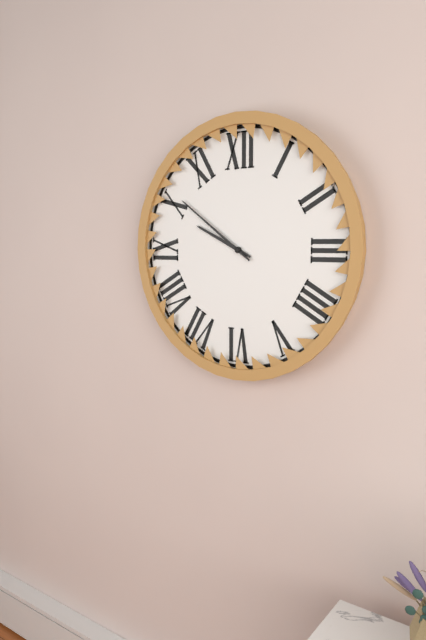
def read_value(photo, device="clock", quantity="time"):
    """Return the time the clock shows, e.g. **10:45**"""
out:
**9:51**
